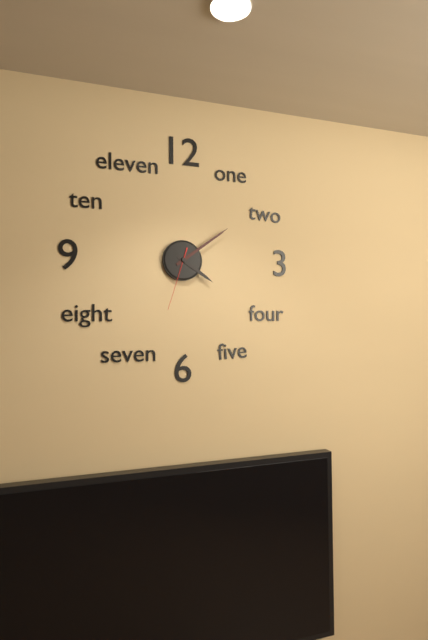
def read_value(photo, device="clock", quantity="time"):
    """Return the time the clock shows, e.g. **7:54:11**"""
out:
**4:09:33**
